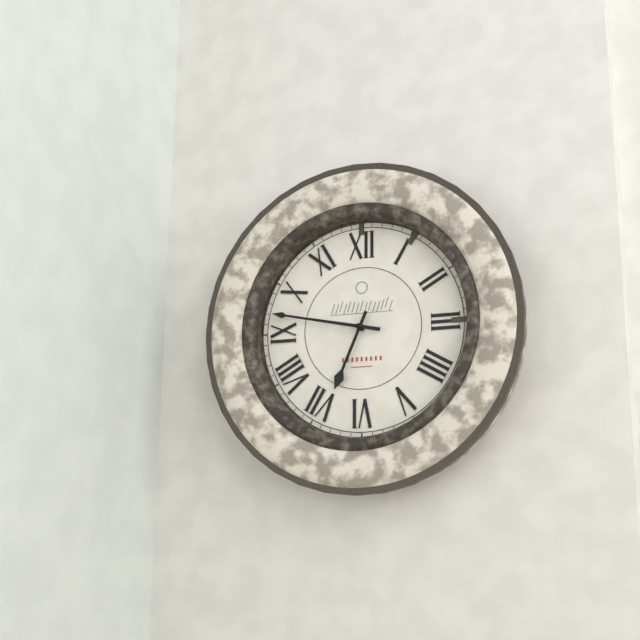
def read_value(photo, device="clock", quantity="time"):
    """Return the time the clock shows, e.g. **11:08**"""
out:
**6:47**
